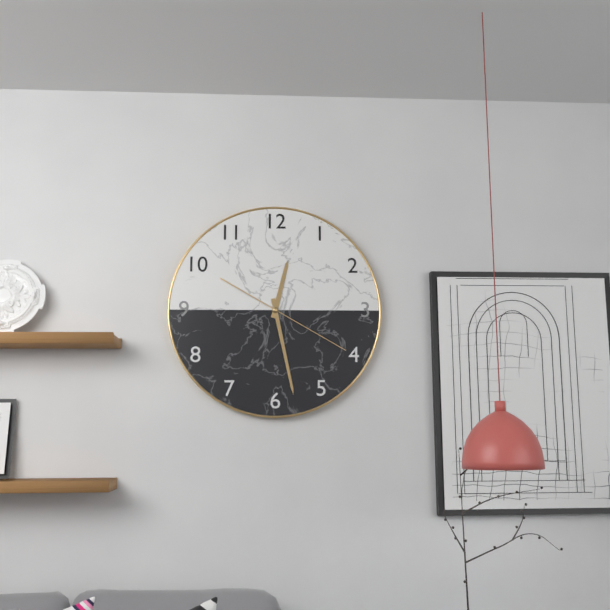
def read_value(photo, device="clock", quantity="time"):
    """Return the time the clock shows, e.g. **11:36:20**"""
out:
**12:28:20**
